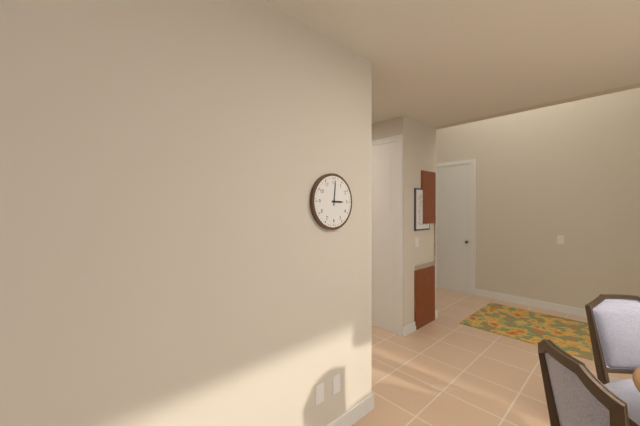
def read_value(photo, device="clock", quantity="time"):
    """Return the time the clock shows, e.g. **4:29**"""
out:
**3:01**
